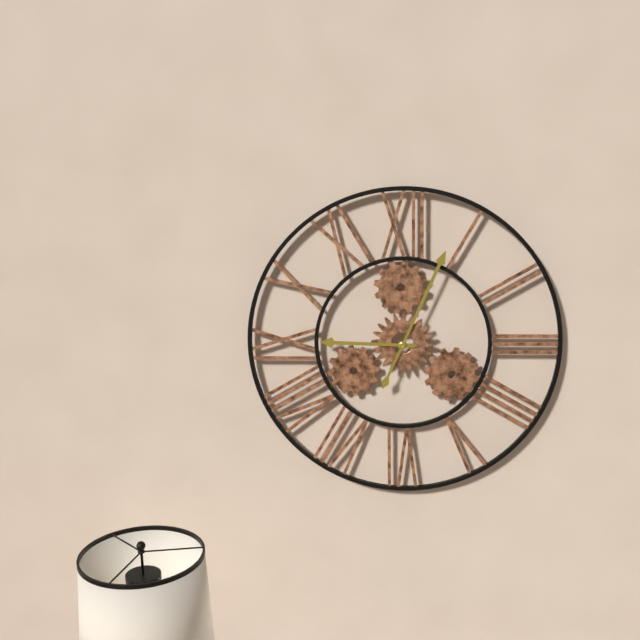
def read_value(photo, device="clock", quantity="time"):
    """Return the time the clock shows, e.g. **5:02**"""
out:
**9:04**
